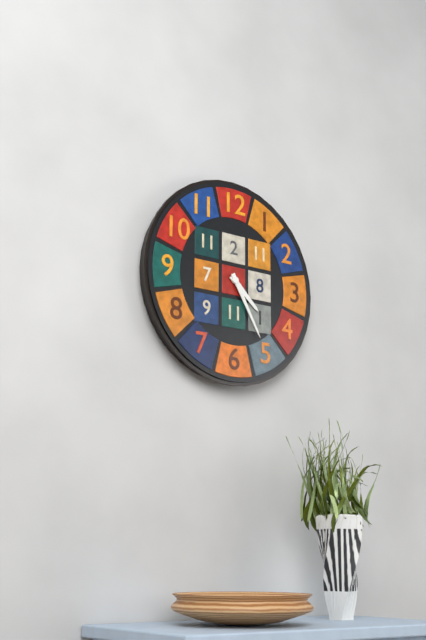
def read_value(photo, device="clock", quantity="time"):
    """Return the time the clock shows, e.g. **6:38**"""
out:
**4:25**
